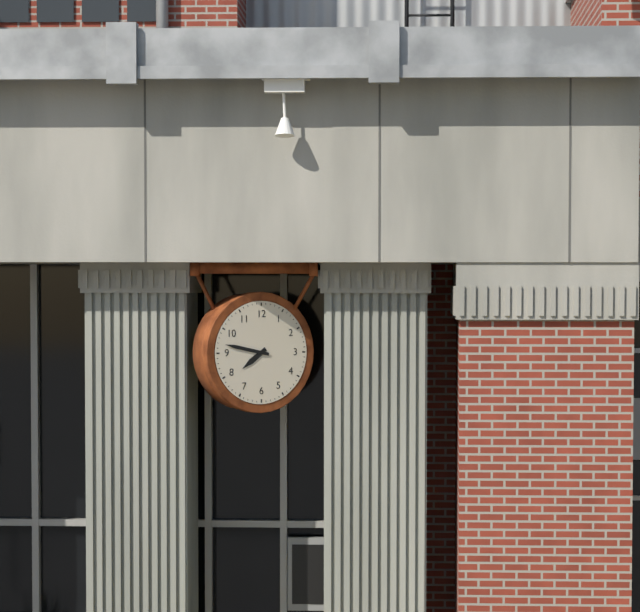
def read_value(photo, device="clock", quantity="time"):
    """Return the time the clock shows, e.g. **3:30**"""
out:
**7:47**
